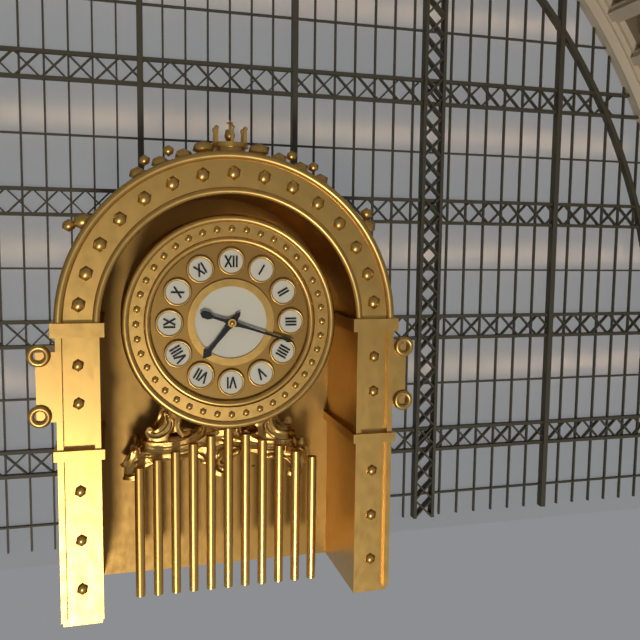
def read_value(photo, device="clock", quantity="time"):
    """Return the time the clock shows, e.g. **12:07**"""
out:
**7:18**
